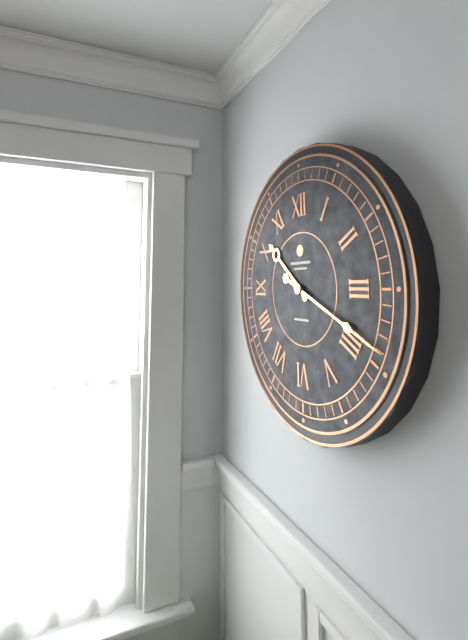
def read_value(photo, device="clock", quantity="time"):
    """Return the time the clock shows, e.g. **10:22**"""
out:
**10:19**
